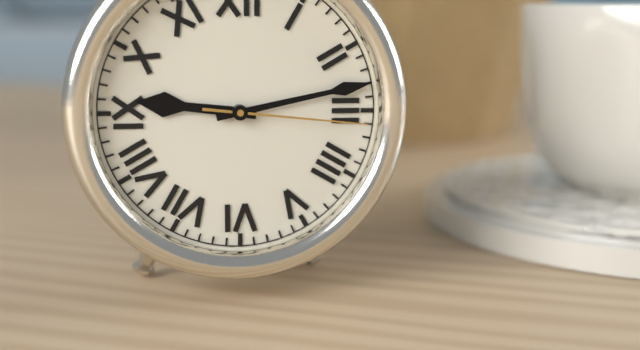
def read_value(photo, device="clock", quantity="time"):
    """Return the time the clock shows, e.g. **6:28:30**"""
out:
**9:13:16**
